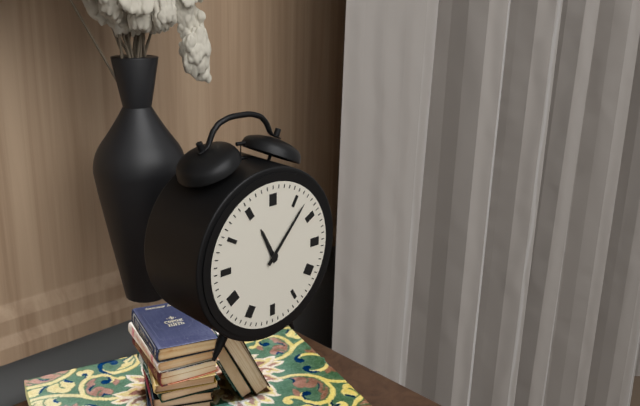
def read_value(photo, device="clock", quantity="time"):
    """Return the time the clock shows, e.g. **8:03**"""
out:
**11:07**
